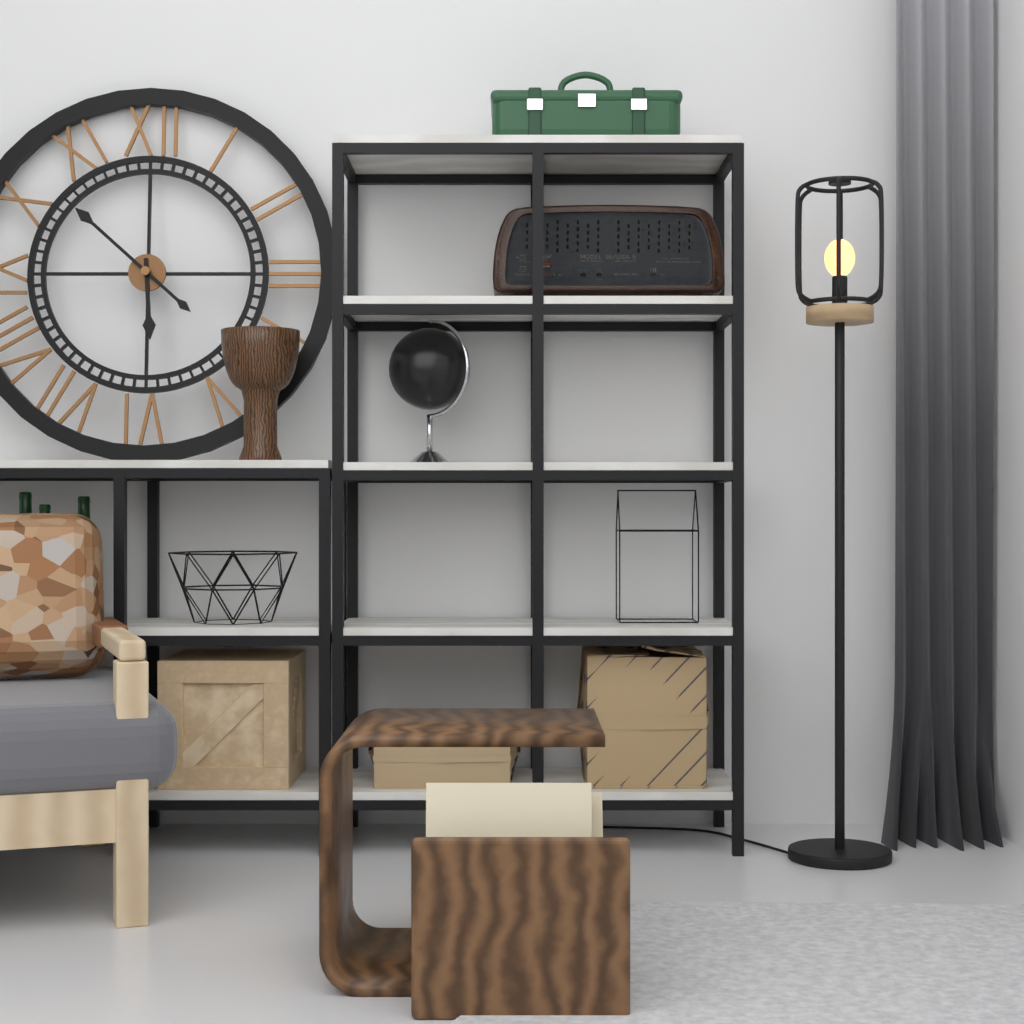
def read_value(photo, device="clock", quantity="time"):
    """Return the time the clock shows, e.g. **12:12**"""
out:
**5:52**
